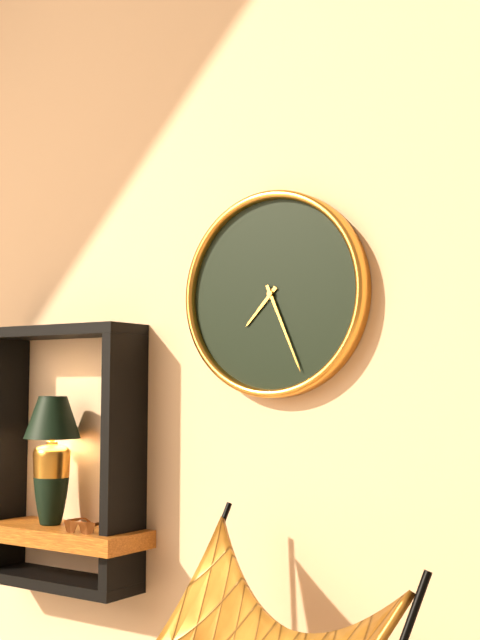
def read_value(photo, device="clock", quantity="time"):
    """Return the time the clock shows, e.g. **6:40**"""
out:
**7:26**
